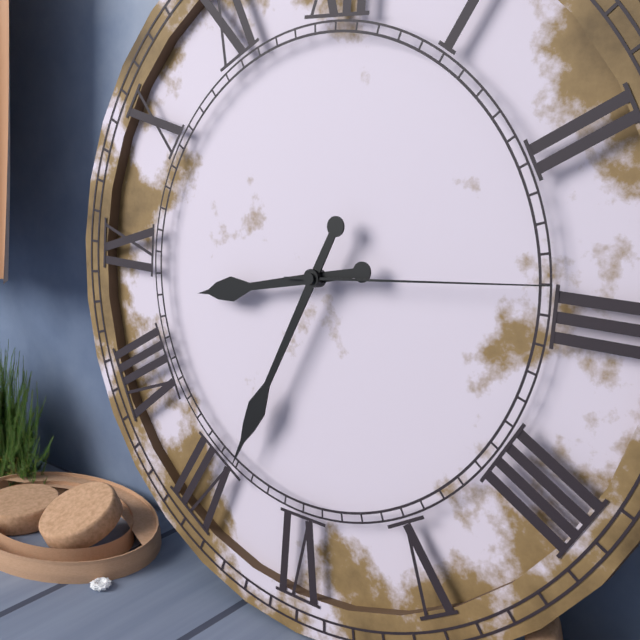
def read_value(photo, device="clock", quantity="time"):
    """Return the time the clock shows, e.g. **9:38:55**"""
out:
**8:34:14**
